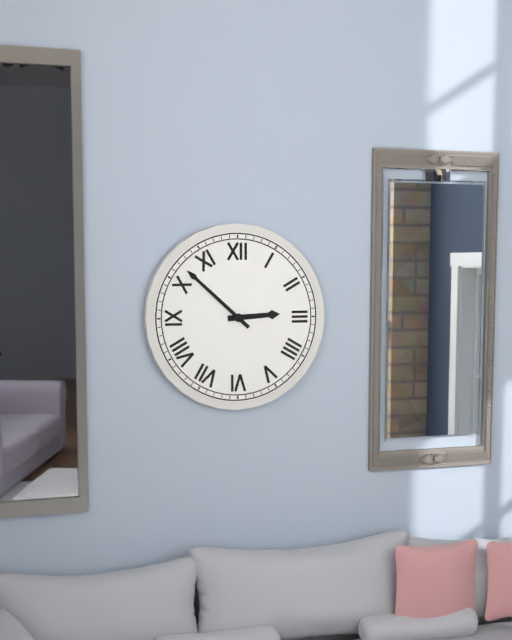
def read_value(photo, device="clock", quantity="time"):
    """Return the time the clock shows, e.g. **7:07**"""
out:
**2:52**
